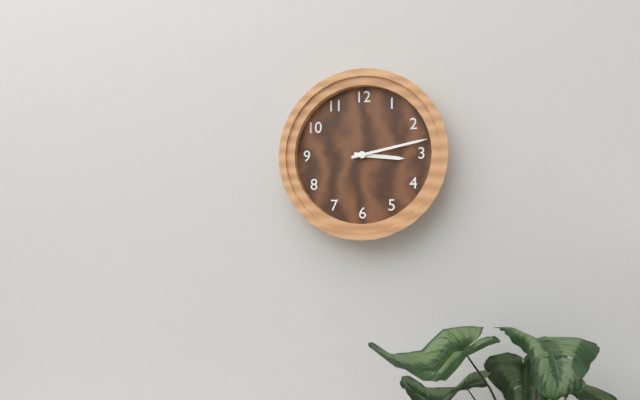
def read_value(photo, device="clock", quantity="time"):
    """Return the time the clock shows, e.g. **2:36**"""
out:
**3:13**
